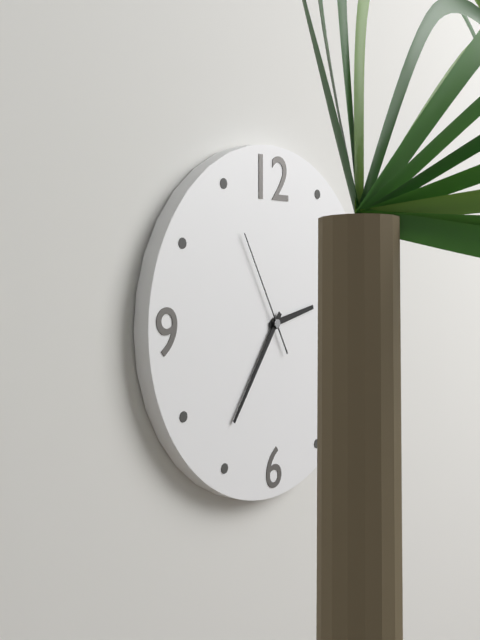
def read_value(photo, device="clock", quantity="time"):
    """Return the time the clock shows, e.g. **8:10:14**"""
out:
**2:36:55**
